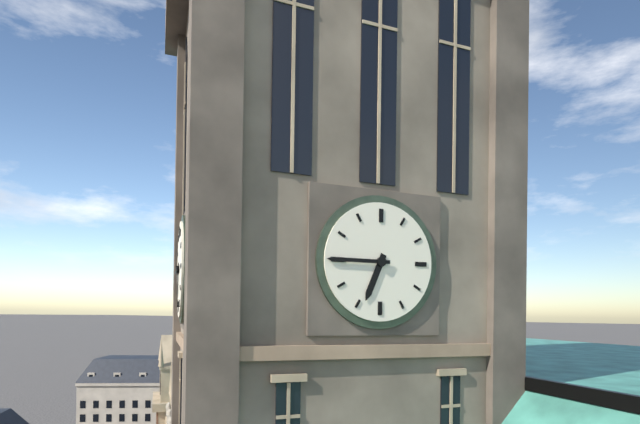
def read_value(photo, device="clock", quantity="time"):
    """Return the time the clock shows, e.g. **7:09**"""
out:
**6:45**
